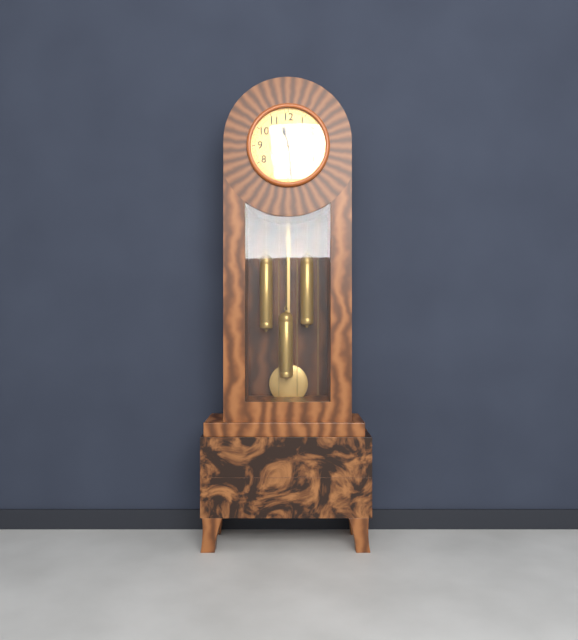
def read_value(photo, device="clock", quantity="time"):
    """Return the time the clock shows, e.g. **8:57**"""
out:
**11:29**
